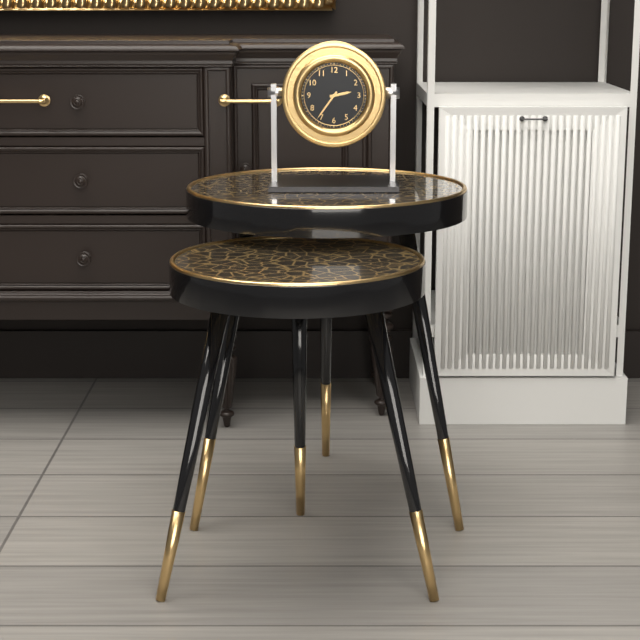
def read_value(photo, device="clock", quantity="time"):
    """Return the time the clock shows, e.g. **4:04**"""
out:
**2:36**
